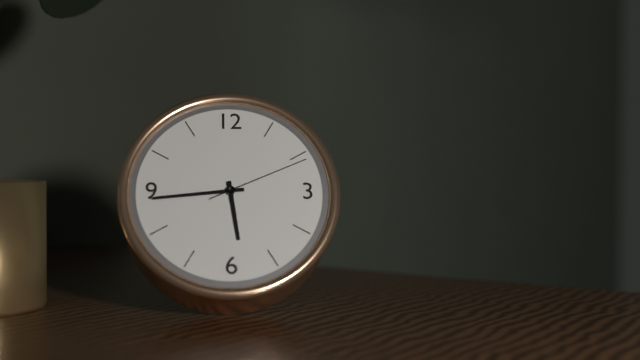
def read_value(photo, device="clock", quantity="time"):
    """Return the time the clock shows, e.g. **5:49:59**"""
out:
**5:44:11**
